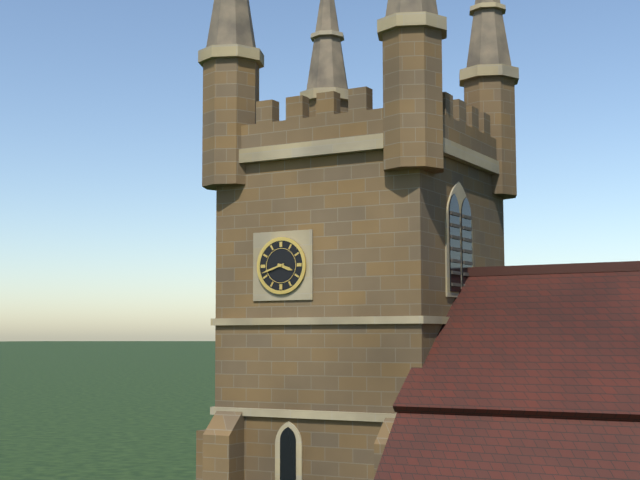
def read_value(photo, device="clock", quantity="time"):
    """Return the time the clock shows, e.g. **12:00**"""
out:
**3:42**
